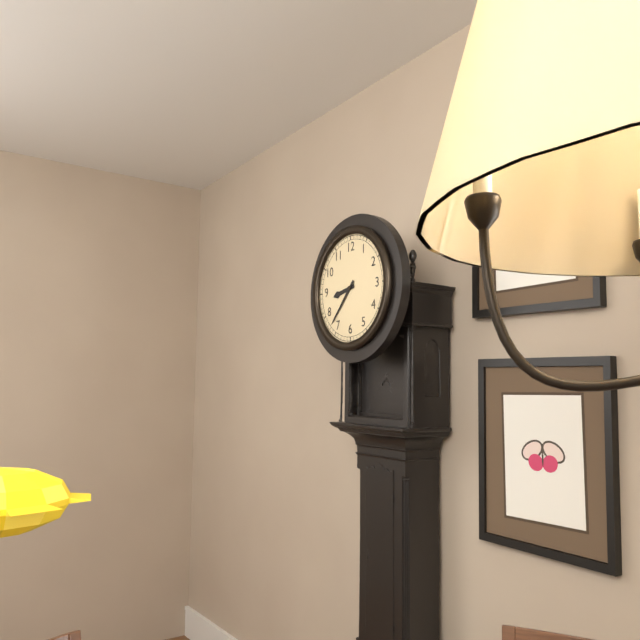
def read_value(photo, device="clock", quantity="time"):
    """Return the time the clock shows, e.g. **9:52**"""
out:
**8:37**
